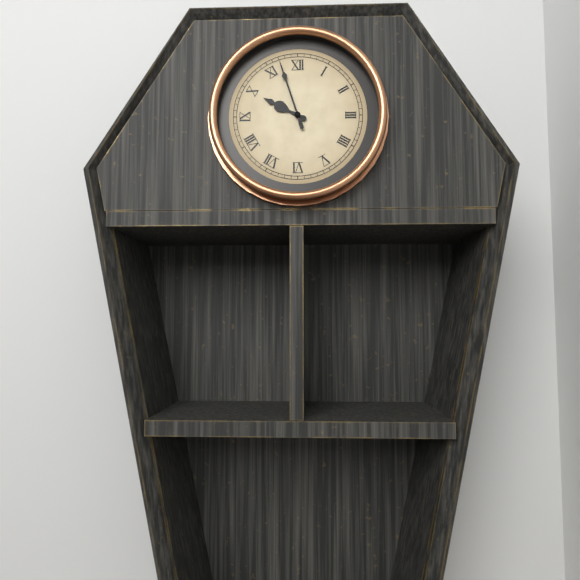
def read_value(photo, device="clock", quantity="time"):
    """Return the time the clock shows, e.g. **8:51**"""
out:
**9:57**
